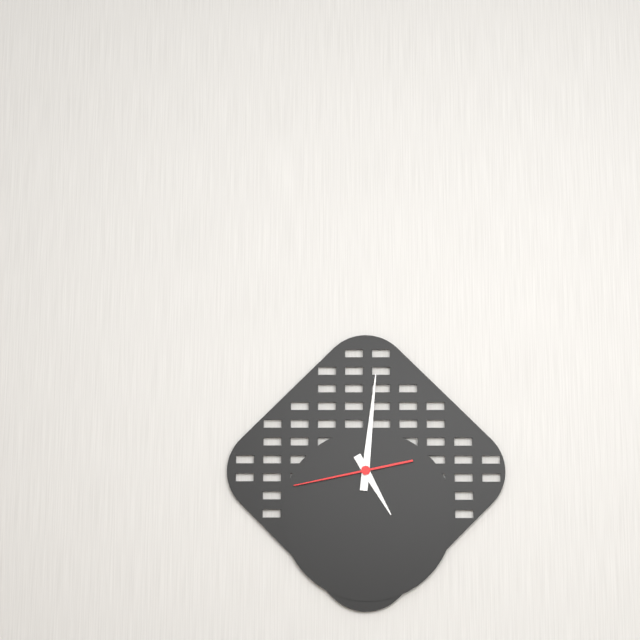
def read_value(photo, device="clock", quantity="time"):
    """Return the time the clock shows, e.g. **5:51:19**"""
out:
**5:01:43**
